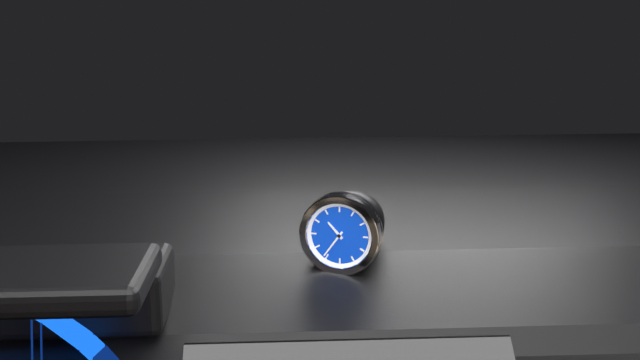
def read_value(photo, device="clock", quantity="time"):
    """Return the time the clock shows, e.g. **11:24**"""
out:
**10:36**
